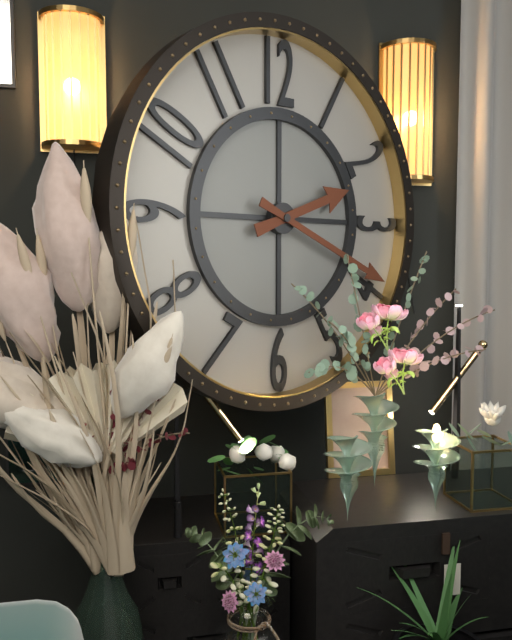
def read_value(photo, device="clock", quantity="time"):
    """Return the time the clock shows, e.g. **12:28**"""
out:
**2:19**
